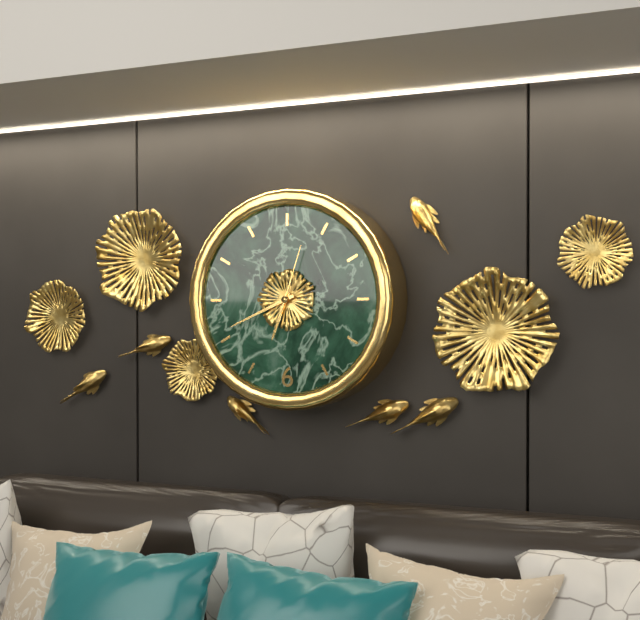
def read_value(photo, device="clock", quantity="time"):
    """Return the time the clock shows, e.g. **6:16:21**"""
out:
**6:41:03**
